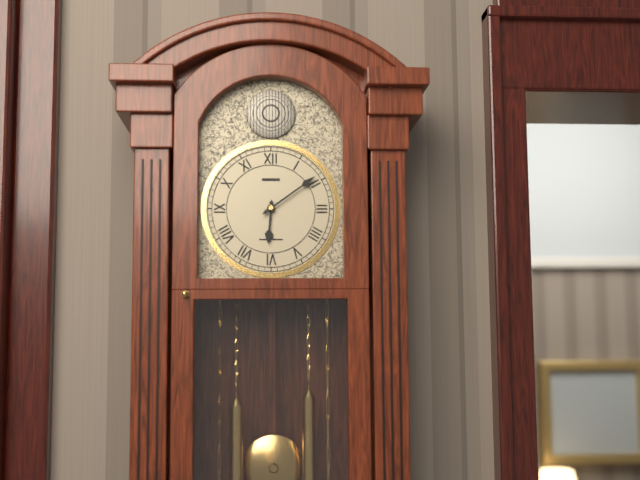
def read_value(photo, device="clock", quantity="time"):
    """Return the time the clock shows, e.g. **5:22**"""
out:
**6:09**
